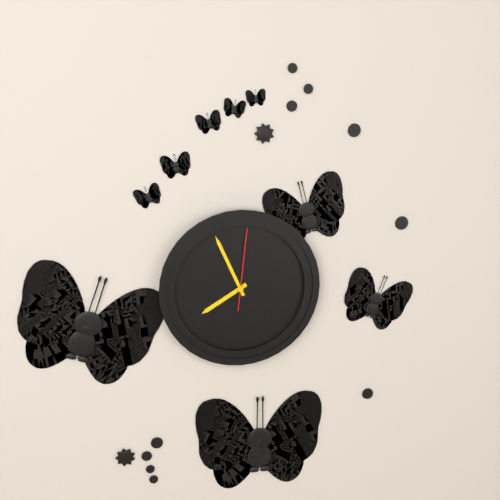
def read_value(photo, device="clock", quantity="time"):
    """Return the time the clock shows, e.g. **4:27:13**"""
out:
**7:56:01**
